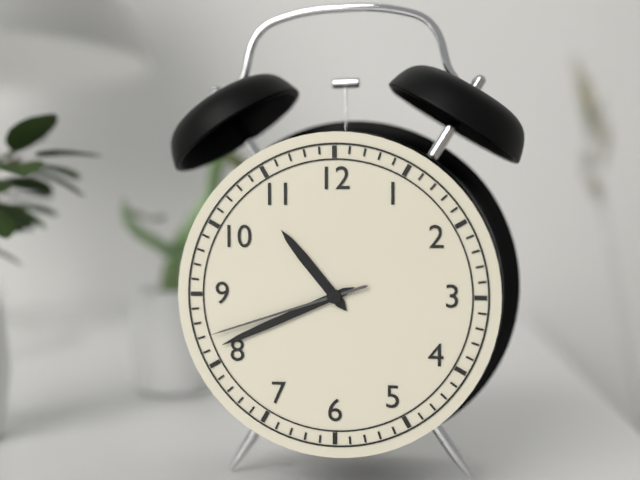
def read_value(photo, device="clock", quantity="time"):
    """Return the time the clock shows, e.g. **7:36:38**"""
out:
**10:41:42**
